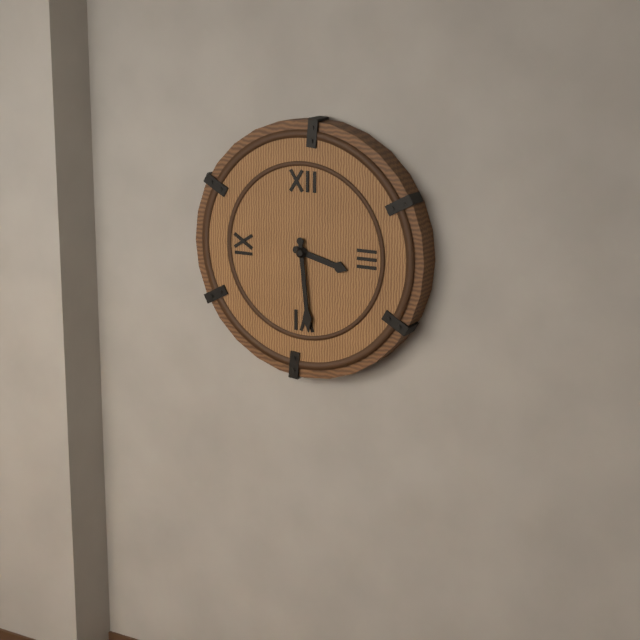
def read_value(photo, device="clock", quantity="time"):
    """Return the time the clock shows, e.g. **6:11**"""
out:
**3:29**
